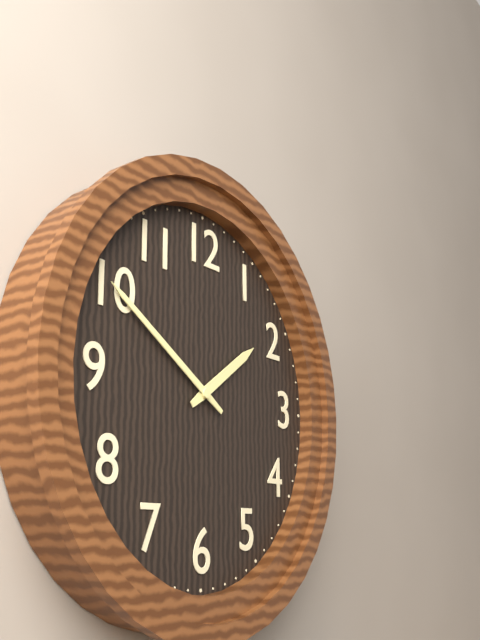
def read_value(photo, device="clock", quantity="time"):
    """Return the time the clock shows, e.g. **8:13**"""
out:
**1:50**
